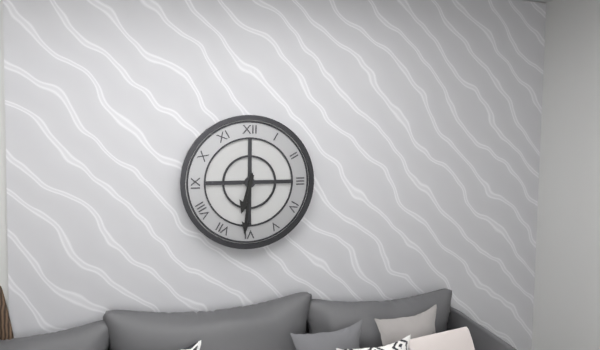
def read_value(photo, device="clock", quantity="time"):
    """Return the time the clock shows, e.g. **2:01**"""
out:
**6:31**
